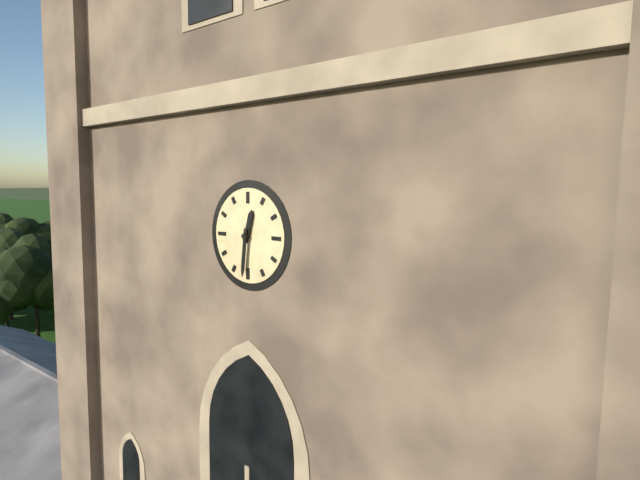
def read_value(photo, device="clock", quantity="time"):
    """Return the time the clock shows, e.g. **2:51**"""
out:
**12:31**
